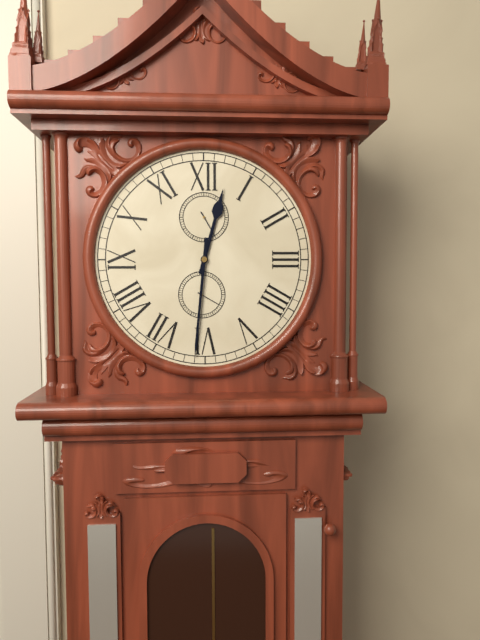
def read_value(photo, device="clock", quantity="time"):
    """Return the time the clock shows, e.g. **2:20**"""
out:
**12:31**
